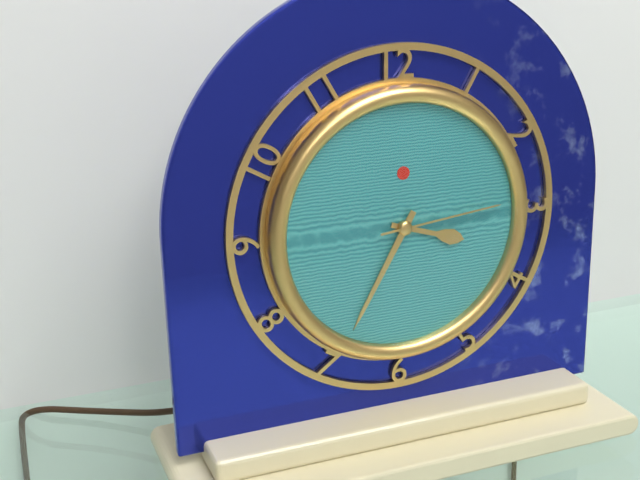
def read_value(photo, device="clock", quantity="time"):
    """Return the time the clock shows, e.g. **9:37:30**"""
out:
**3:35:14**
